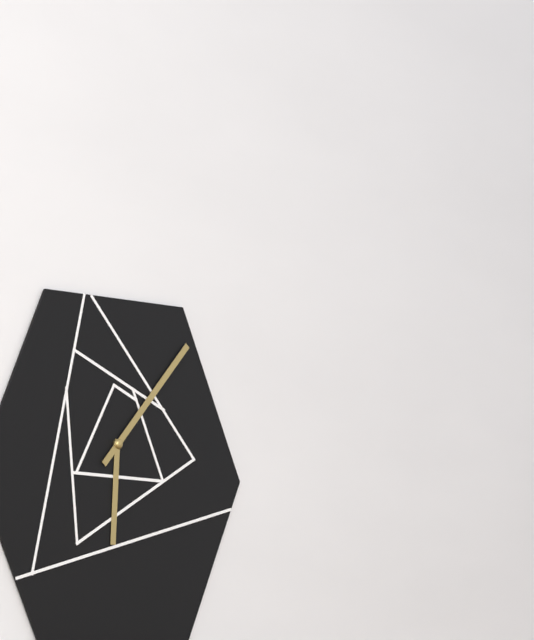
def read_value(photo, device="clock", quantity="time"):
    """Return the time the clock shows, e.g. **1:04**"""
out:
**6:07**
